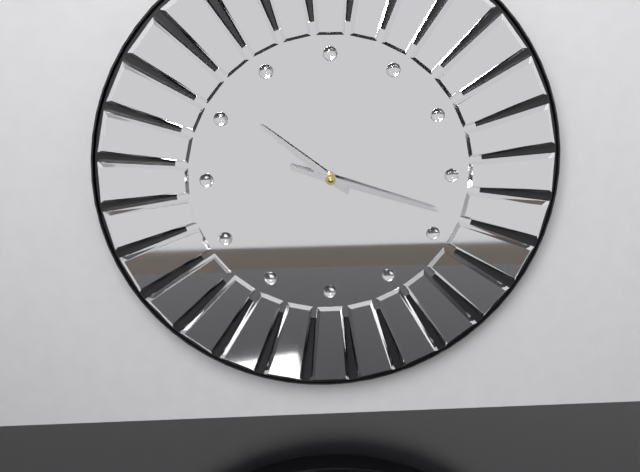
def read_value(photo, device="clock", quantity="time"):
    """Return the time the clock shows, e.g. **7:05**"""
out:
**10:18**
